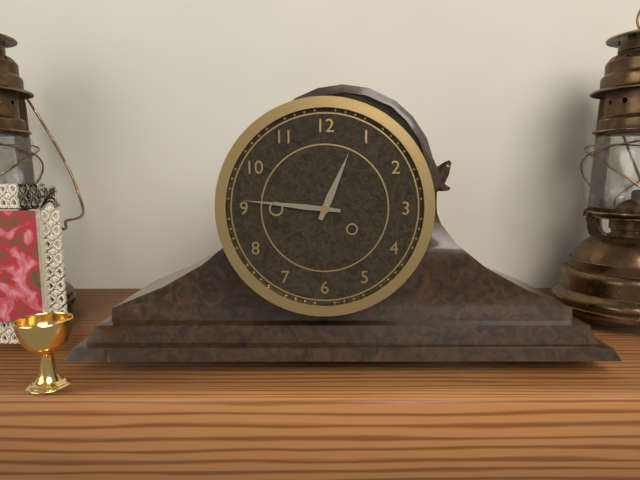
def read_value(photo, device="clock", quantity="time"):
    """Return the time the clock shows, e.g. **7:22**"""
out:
**12:46**
